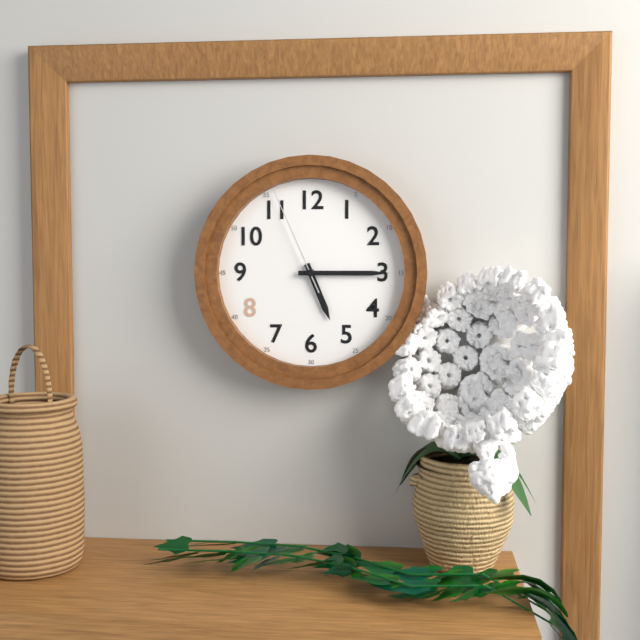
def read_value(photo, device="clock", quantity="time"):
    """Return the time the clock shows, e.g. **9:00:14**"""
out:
**5:15:56**
